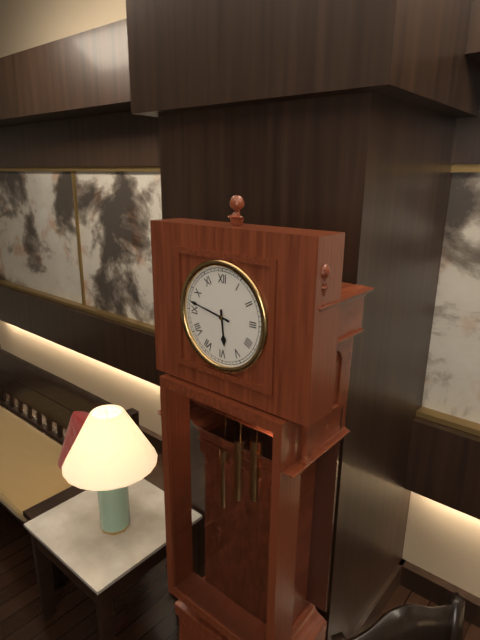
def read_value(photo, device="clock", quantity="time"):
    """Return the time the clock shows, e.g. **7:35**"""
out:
**5:47**
